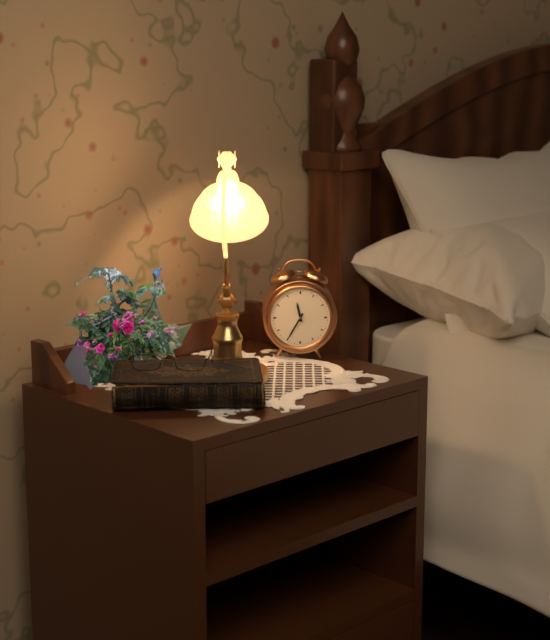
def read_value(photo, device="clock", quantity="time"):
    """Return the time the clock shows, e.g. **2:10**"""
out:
**11:35**
